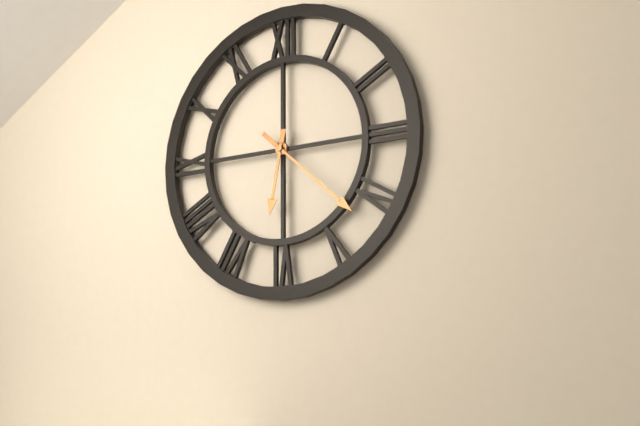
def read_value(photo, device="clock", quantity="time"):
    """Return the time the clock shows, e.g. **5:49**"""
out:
**6:22**
